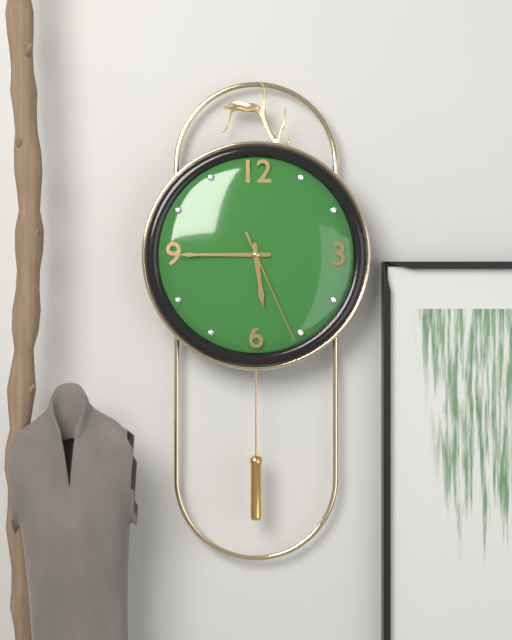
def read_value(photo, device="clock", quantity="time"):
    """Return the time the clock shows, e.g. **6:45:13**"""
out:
**5:45:26**
